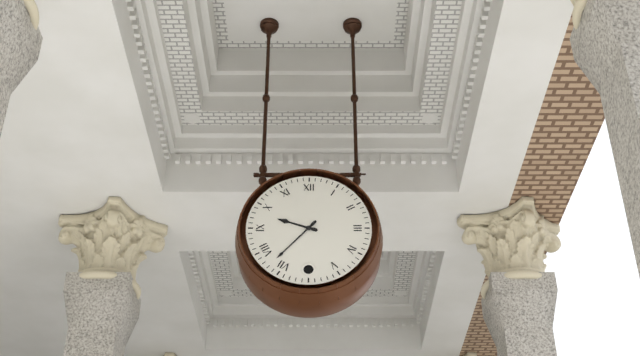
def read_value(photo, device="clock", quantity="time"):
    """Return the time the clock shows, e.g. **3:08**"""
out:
**9:37**
